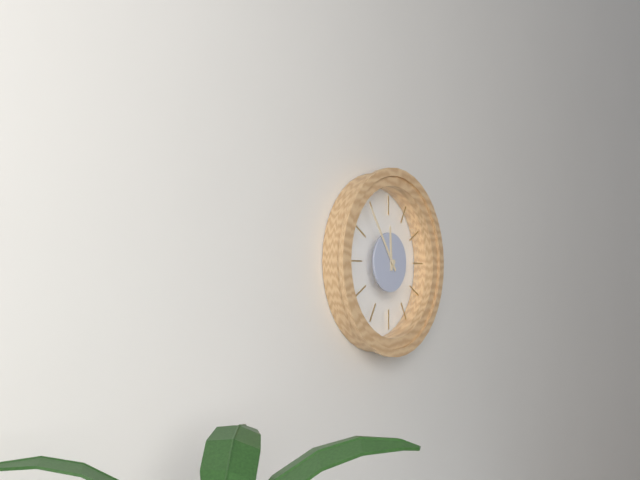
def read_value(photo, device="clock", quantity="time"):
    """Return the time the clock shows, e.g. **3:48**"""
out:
**11:54**
